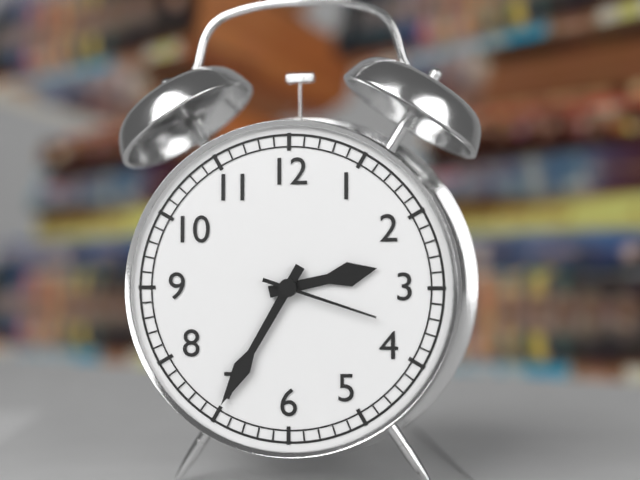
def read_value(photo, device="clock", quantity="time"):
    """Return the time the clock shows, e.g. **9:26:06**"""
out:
**2:35:18**
